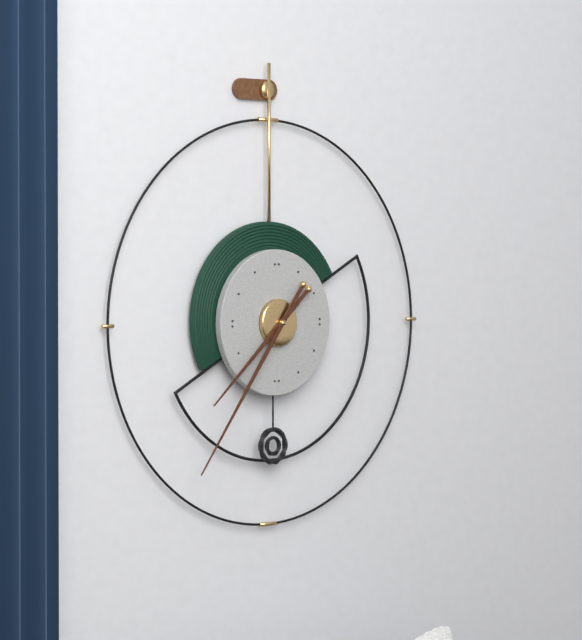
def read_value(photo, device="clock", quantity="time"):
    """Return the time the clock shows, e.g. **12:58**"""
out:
**7:36**
